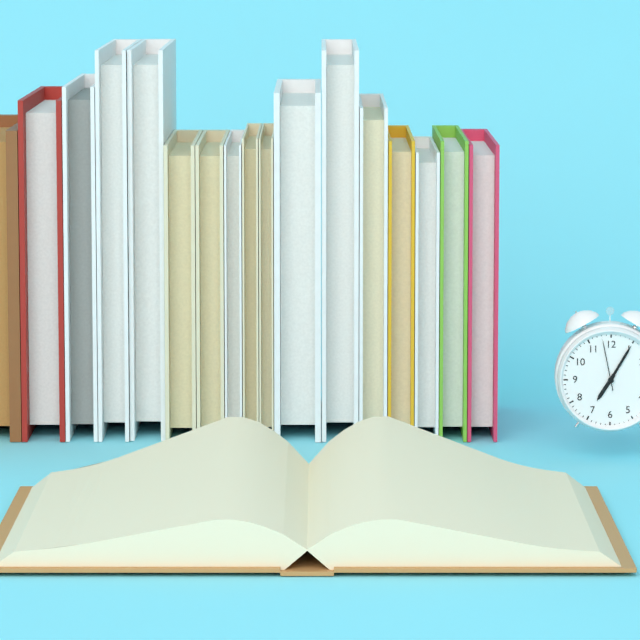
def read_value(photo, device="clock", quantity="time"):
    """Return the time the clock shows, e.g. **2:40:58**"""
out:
**7:05:58**
